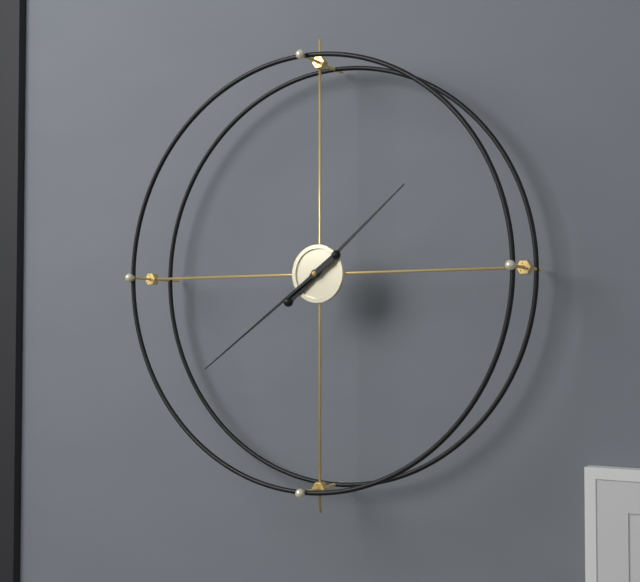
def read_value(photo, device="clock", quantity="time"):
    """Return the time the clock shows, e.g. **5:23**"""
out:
**1:39**
